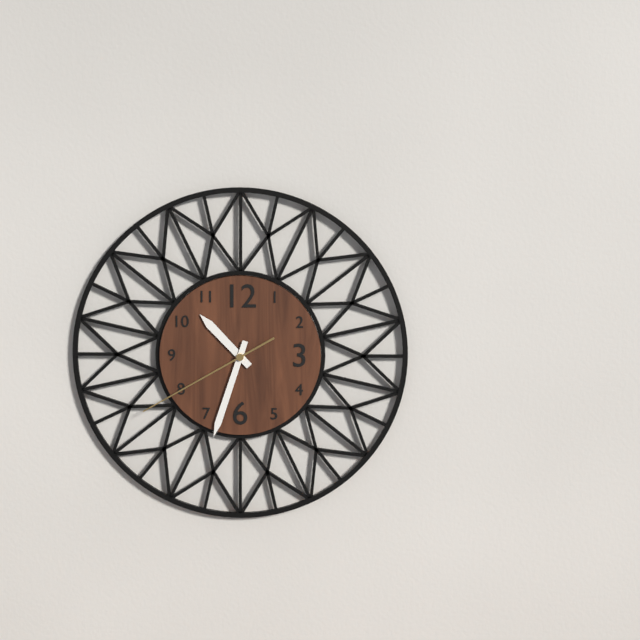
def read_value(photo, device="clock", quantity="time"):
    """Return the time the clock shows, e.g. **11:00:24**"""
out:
**10:33:40**
